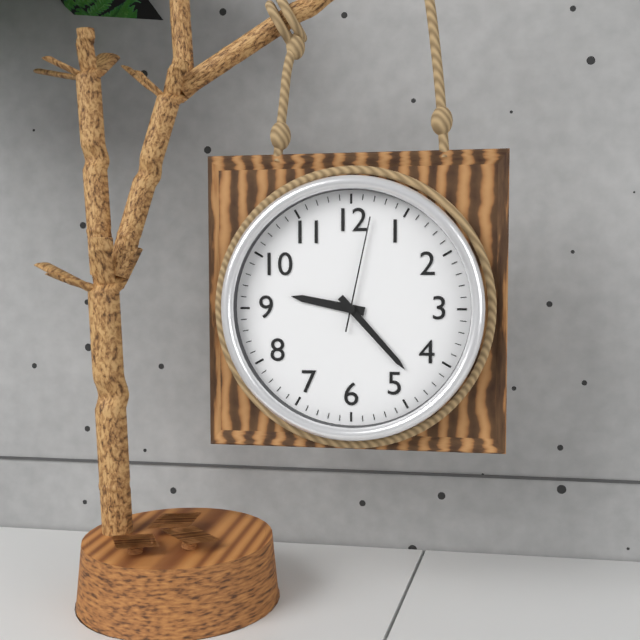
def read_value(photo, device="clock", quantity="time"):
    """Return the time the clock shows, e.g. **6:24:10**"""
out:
**9:23:02**
